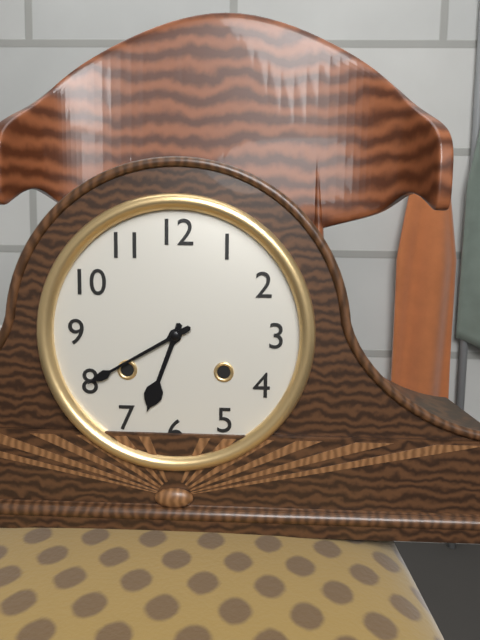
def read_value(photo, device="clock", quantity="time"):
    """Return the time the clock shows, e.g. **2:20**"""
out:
**6:40**
